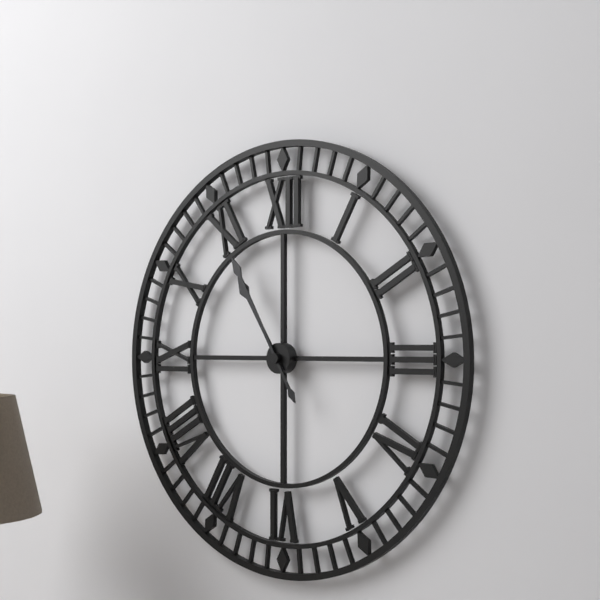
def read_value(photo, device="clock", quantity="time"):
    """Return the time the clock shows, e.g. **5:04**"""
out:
**10:55**
